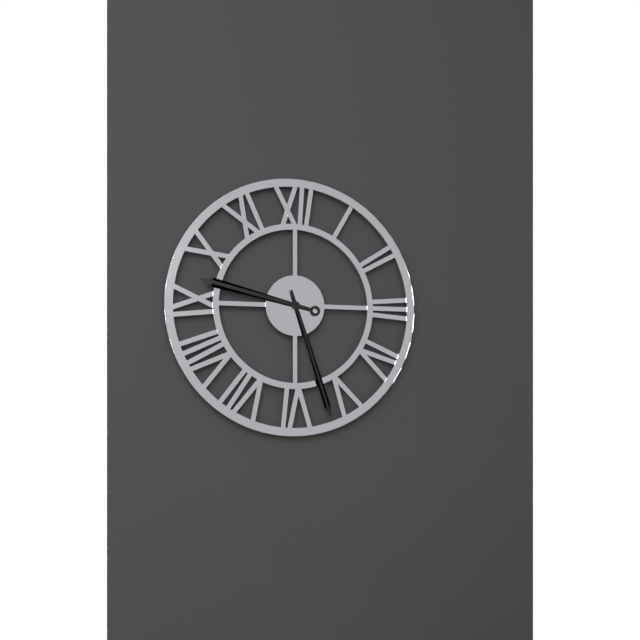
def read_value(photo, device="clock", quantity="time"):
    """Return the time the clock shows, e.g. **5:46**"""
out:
**9:27**
